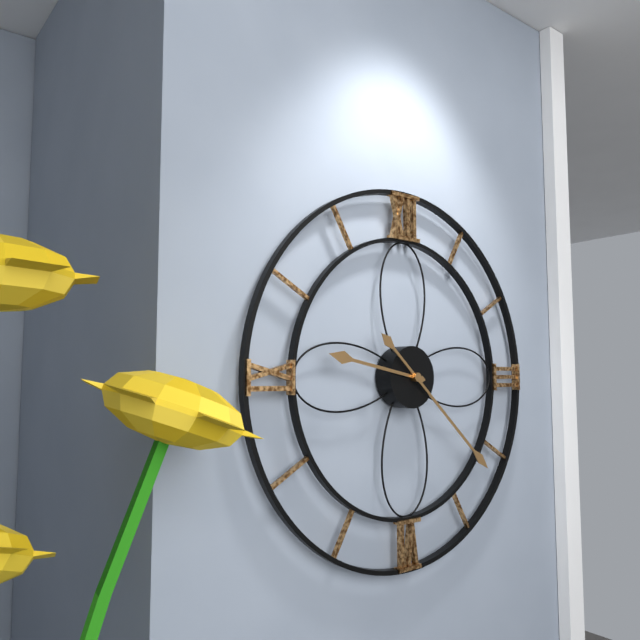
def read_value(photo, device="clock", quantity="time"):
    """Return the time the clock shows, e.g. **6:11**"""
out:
**9:22**
